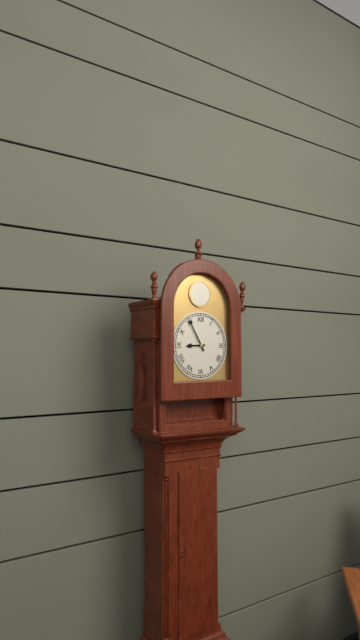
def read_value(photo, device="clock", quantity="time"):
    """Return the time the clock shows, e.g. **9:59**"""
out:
**8:55**
